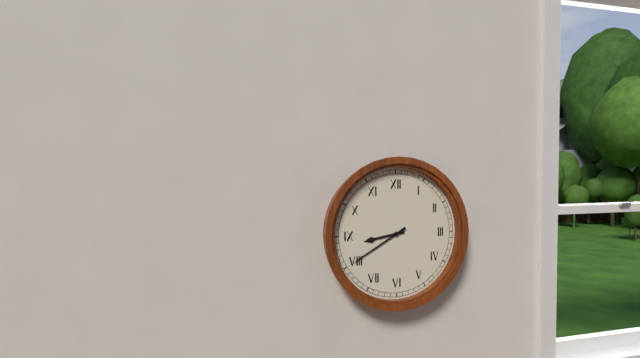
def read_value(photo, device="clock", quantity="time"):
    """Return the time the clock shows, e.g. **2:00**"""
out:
**8:40**
